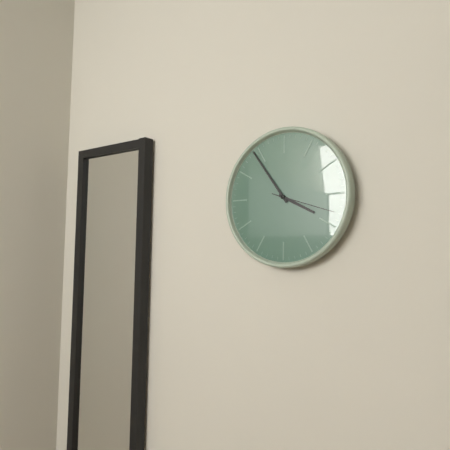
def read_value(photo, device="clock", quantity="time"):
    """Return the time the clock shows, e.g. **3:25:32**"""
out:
**3:54:18**
